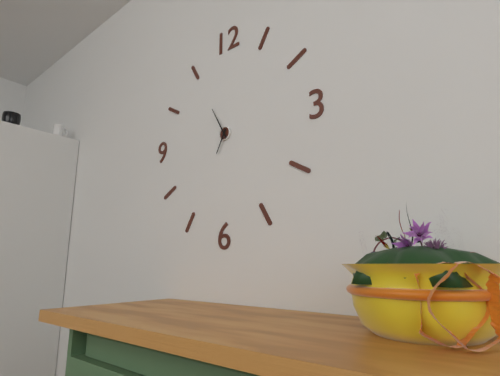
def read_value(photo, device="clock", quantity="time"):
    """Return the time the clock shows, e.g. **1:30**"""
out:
**6:55**
